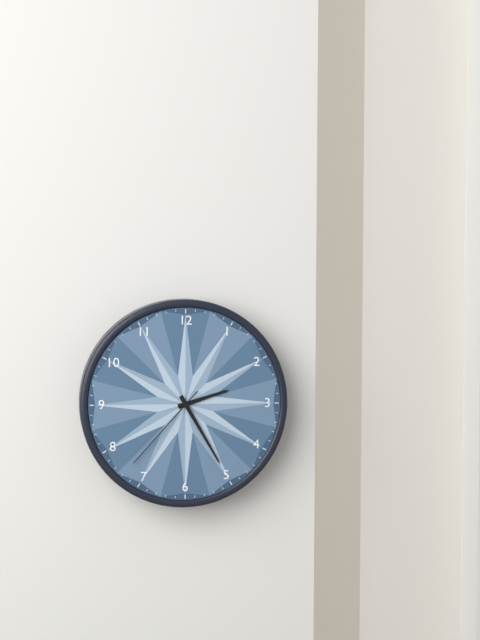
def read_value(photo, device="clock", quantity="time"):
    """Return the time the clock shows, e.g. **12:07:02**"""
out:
**2:25:37**
